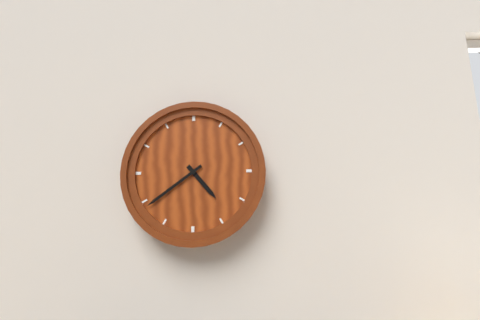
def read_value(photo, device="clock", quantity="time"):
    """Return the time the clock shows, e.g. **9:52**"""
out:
**4:39**
